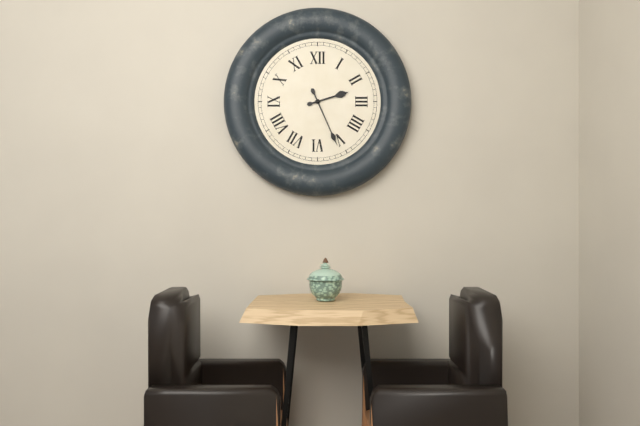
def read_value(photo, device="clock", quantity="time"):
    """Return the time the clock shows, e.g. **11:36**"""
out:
**2:26**
